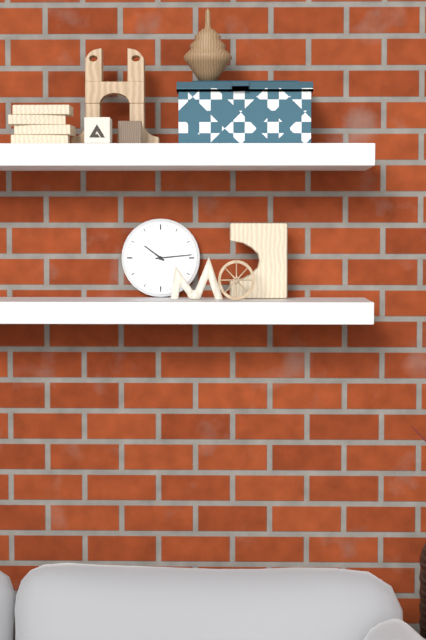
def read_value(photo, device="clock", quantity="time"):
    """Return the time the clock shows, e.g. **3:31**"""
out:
**10:14**
